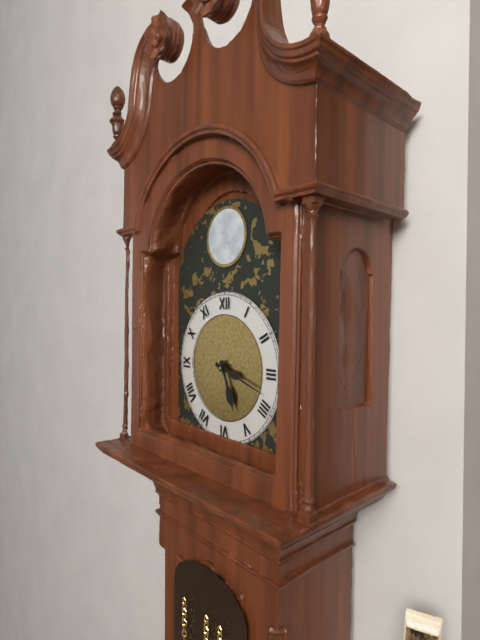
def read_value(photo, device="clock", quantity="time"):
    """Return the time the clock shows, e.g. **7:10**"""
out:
**5:18**
